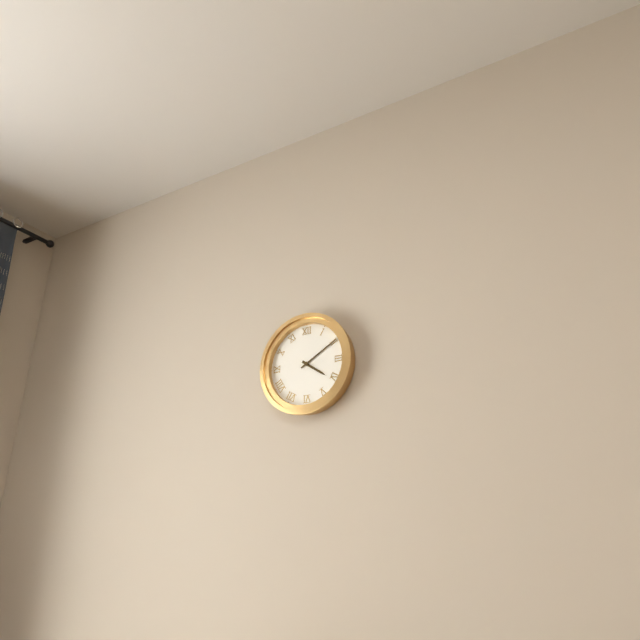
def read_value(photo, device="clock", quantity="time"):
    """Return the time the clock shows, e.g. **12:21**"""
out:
**4:10**
